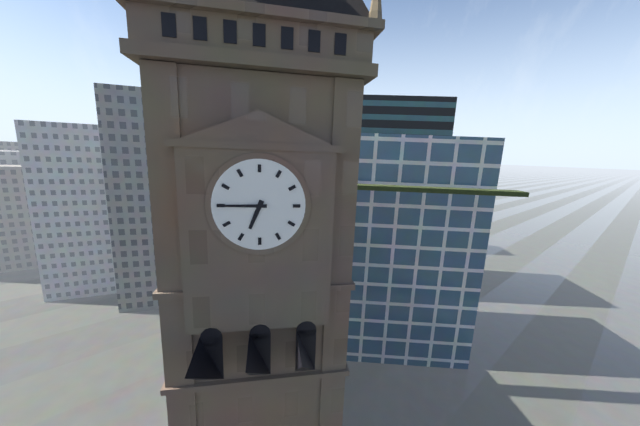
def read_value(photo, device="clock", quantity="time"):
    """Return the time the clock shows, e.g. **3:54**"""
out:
**6:45**
